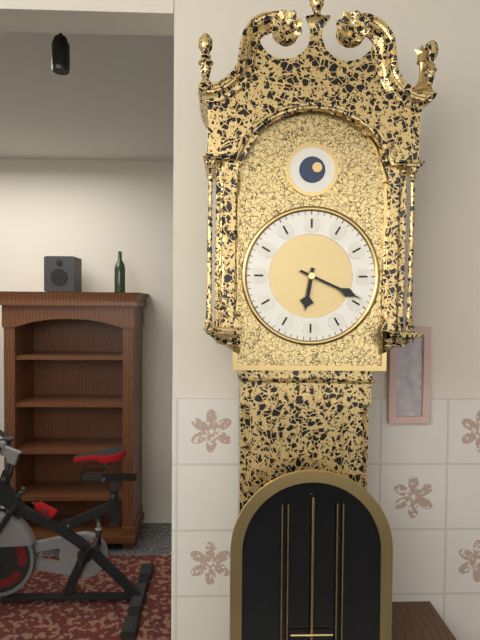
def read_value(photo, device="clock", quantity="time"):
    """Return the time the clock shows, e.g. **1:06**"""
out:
**6:19**
